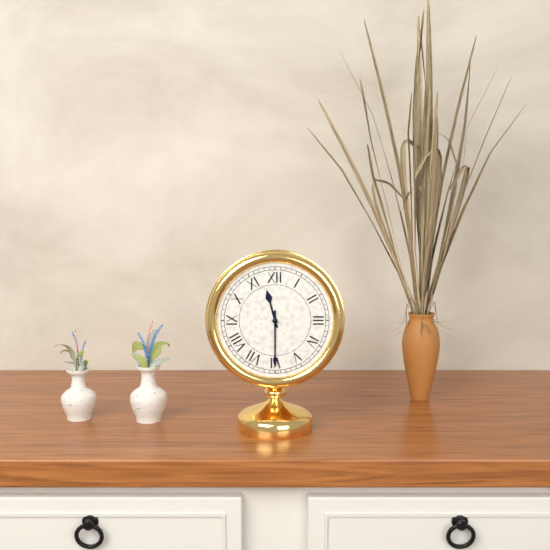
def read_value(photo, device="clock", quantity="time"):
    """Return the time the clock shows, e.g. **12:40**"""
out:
**11:30**
